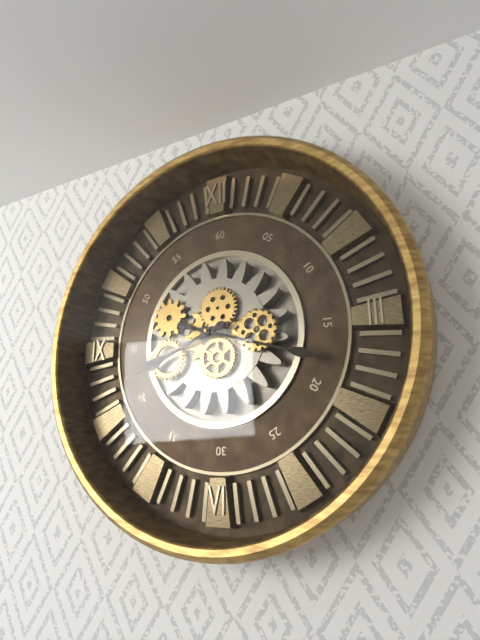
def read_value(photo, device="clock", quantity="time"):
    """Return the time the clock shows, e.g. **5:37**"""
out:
**8:18**
